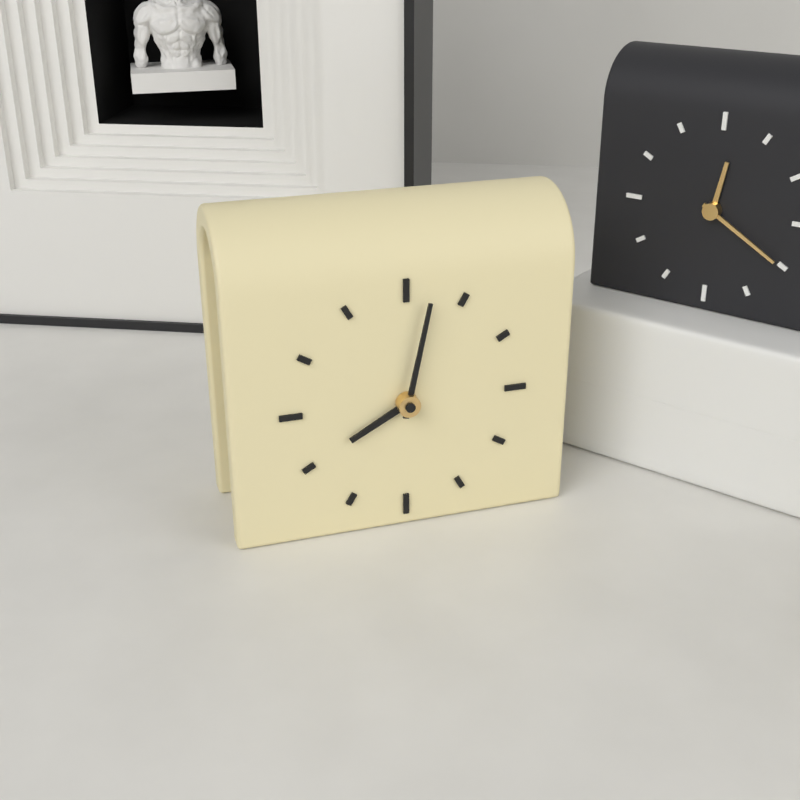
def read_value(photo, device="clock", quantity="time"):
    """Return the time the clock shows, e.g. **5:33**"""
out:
**8:02**
